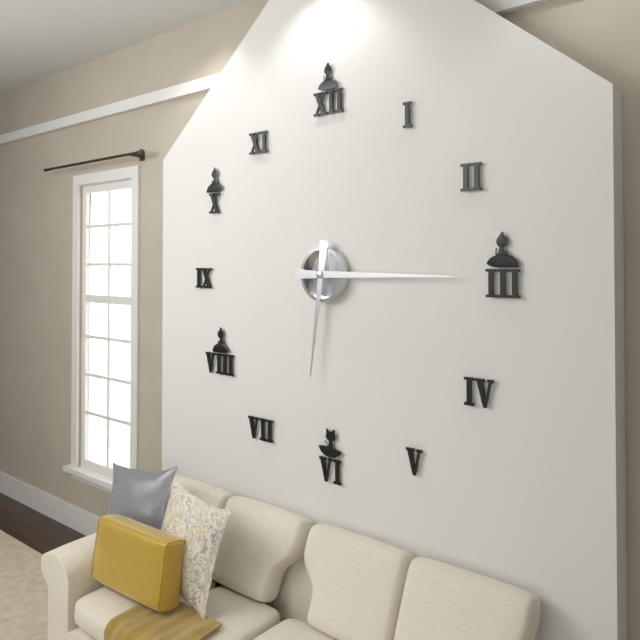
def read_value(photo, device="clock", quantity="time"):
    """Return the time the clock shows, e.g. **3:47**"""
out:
**6:15**
